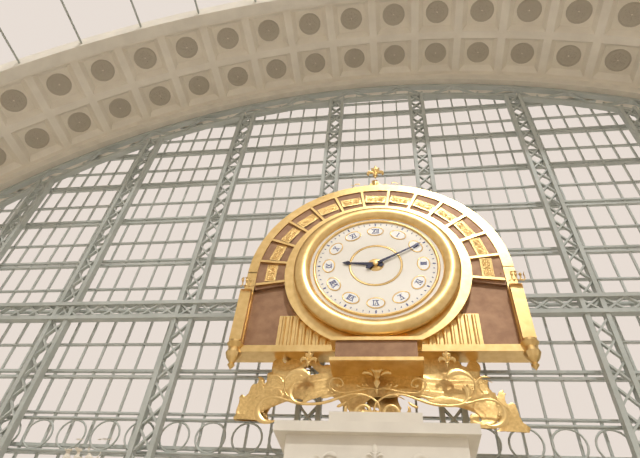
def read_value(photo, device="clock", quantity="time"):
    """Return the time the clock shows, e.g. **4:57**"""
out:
**9:10**
